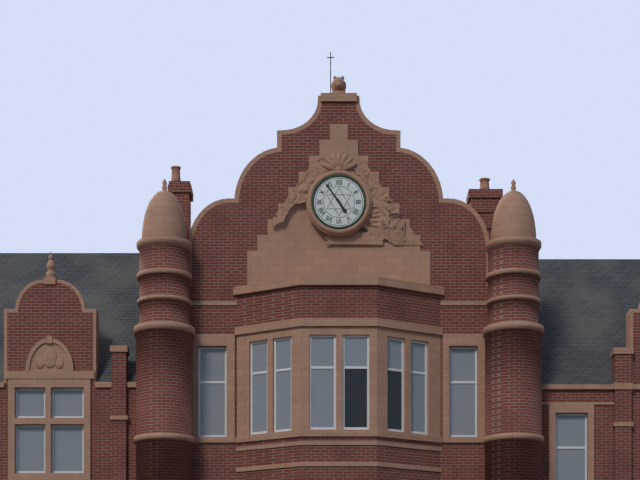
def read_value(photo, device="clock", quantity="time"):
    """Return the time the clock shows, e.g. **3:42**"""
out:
**4:54**
